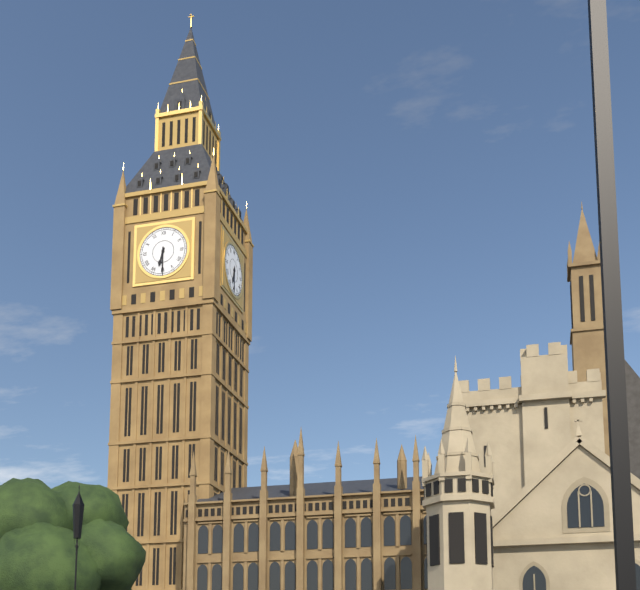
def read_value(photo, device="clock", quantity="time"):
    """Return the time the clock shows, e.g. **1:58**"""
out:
**6:30**
